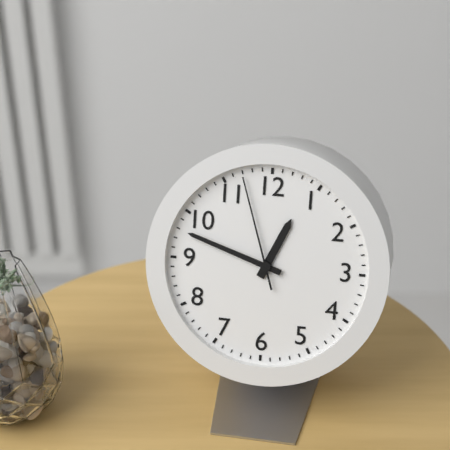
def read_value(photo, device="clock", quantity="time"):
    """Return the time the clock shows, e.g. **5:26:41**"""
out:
**12:48:57**
